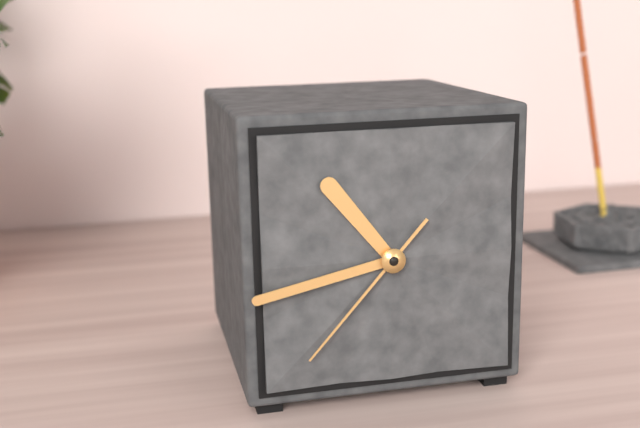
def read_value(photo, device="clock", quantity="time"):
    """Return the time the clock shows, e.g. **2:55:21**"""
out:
**10:43:37**
